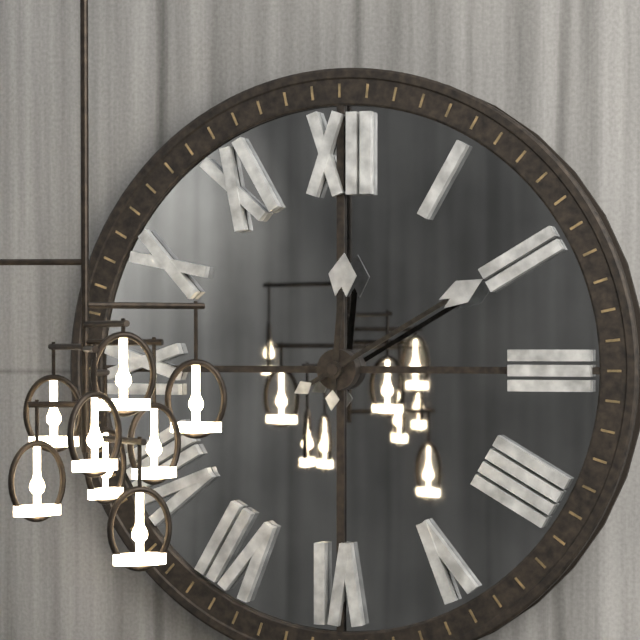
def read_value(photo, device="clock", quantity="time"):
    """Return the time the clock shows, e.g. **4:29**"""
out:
**12:10**
